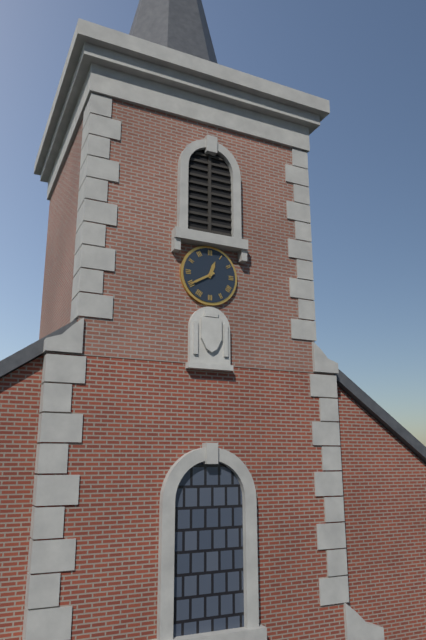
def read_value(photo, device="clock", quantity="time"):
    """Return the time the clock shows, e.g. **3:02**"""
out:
**12:40**
